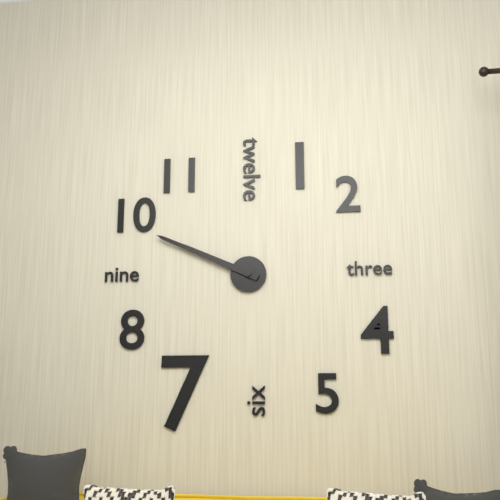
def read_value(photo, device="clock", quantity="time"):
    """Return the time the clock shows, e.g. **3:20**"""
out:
**9:49**
